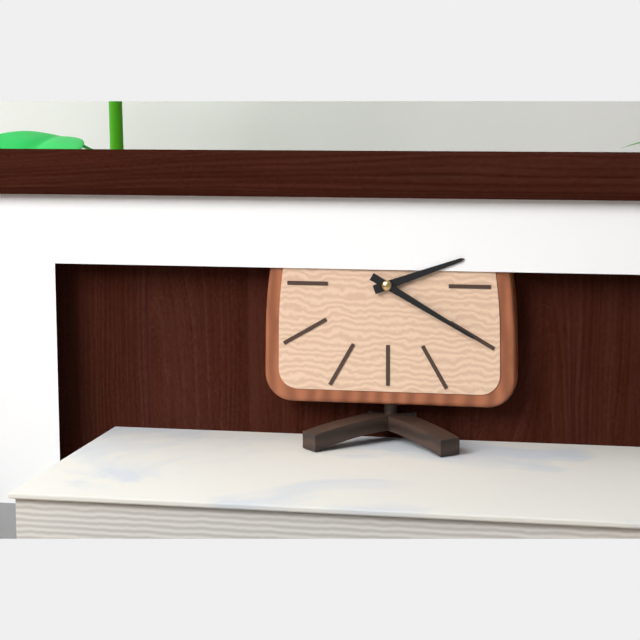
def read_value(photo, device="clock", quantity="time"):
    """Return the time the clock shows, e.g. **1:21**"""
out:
**2:20**
